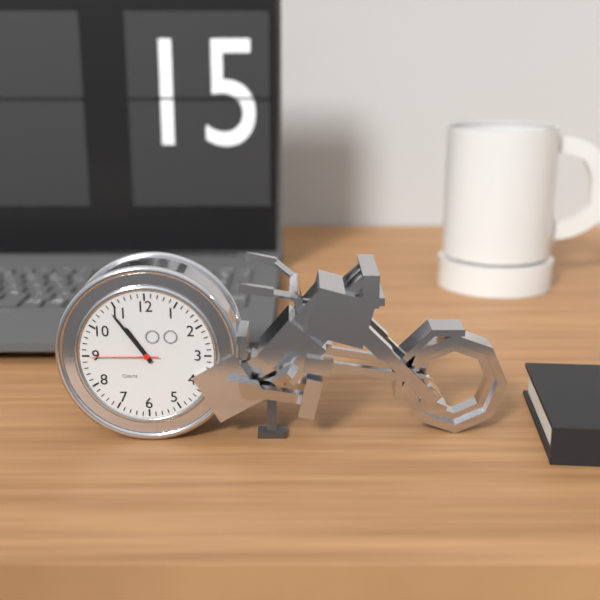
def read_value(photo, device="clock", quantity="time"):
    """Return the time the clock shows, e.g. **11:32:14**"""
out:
**10:54:45**
